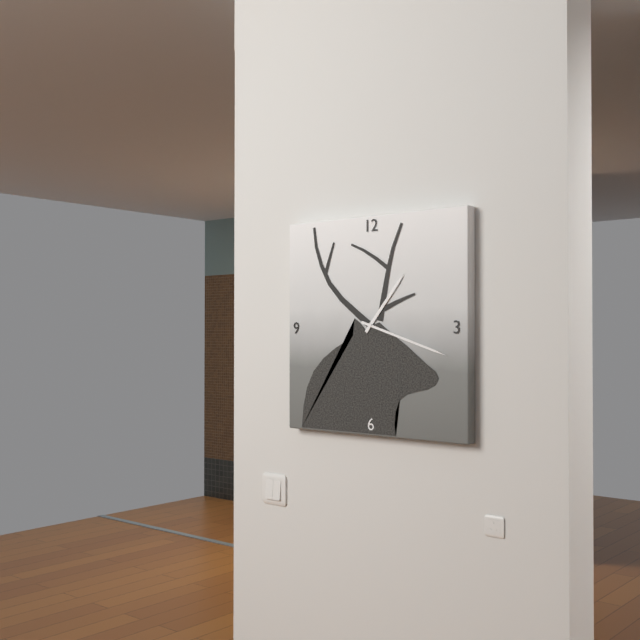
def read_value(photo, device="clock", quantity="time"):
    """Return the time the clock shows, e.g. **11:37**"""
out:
**1:18**
